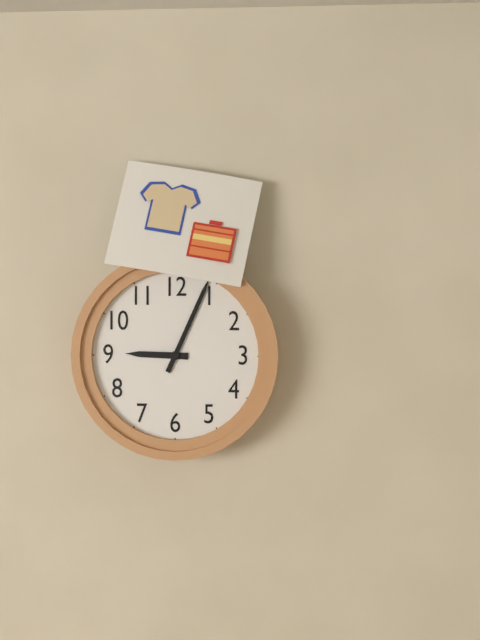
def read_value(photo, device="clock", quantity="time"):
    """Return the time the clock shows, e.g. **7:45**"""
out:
**9:04**
